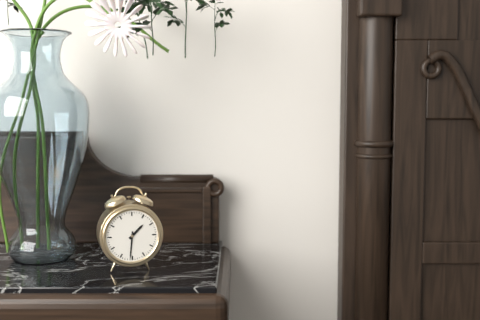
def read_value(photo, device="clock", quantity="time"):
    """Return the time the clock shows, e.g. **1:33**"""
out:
**1:31**
